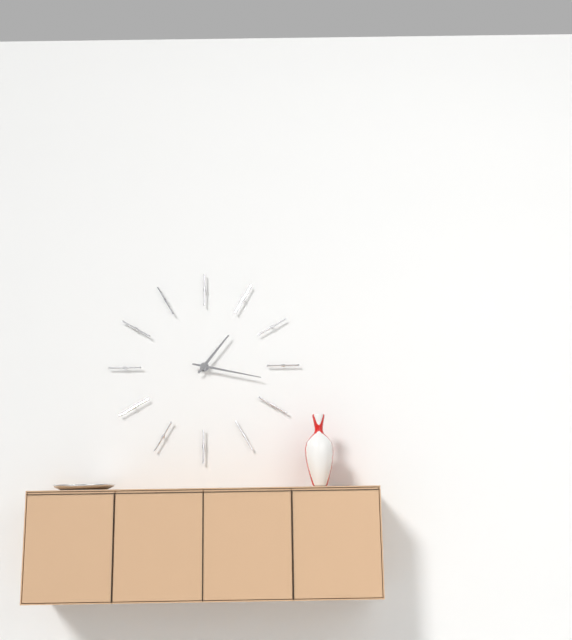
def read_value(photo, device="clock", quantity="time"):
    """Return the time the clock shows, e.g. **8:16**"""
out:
**1:17**
